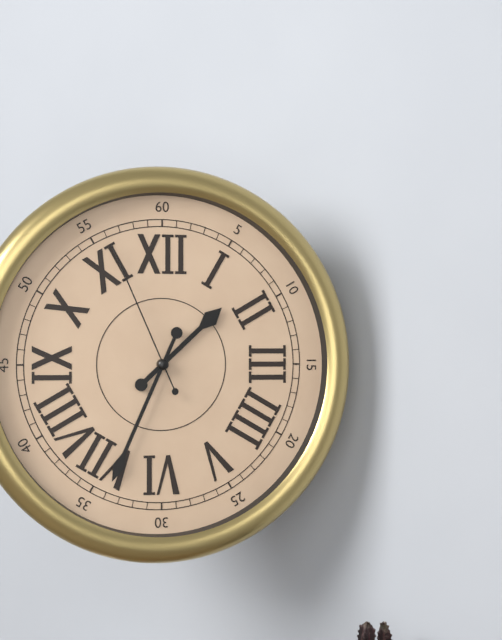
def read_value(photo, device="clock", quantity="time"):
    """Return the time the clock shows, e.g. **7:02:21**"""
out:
**1:34:56**
